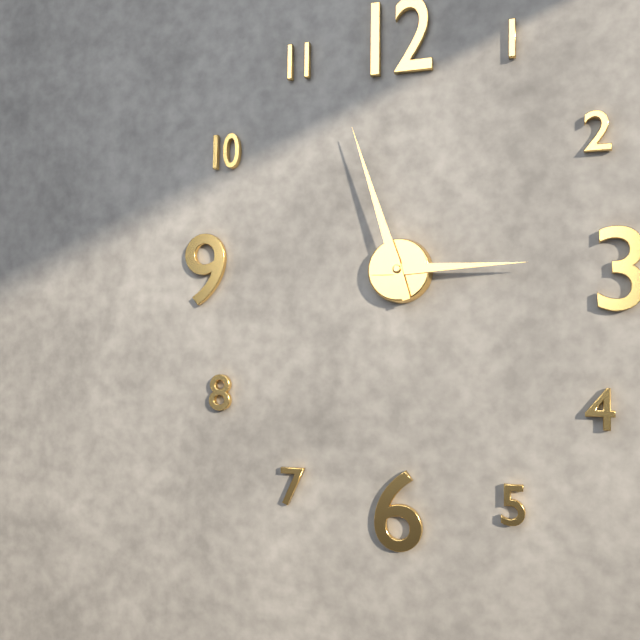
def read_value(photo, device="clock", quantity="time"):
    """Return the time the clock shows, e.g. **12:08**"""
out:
**2:57**
